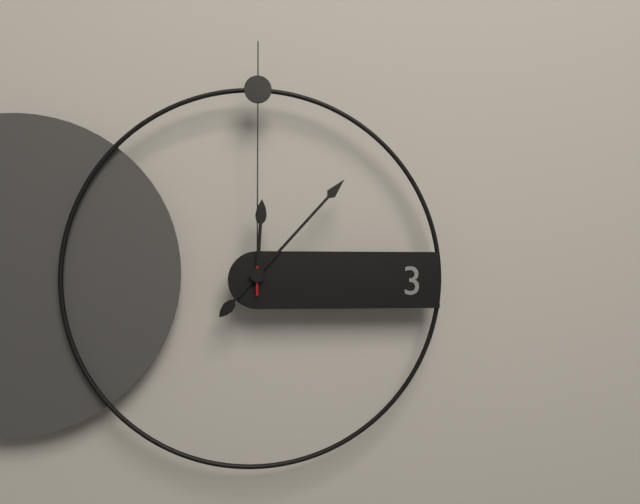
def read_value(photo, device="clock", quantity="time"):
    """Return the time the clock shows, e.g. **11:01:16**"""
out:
**12:07:00**
